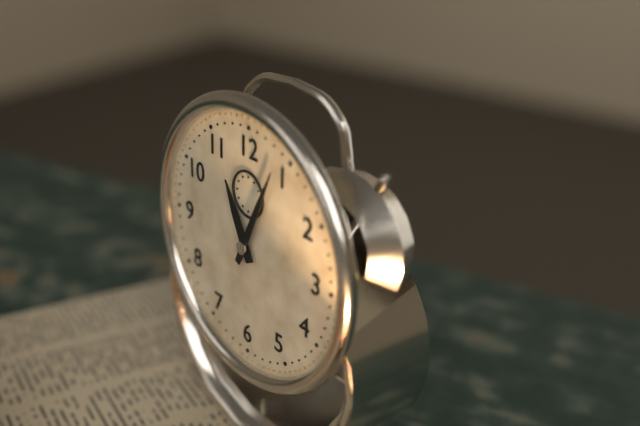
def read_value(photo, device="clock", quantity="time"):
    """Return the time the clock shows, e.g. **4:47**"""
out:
**11:04**
